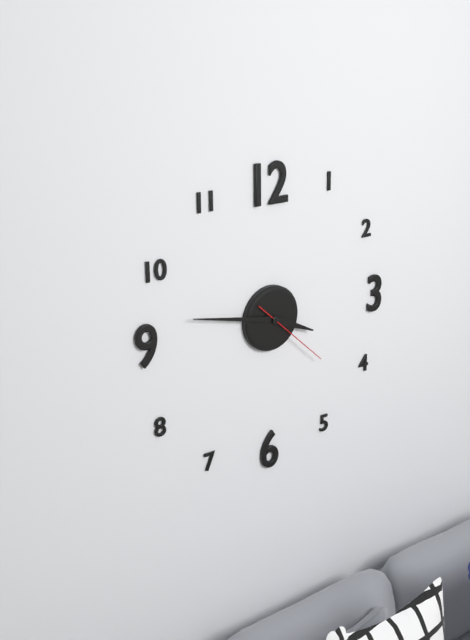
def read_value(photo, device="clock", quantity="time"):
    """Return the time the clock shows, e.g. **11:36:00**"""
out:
**3:47:22**
